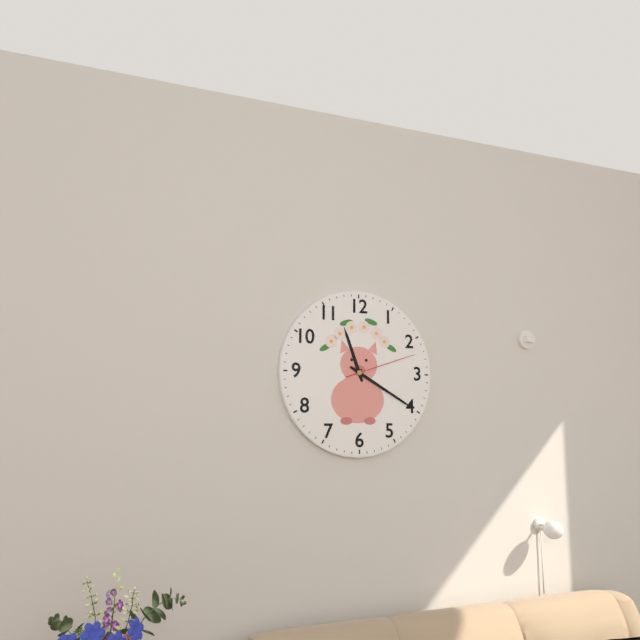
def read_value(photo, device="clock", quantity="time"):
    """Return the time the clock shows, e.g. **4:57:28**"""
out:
**11:20:12**
